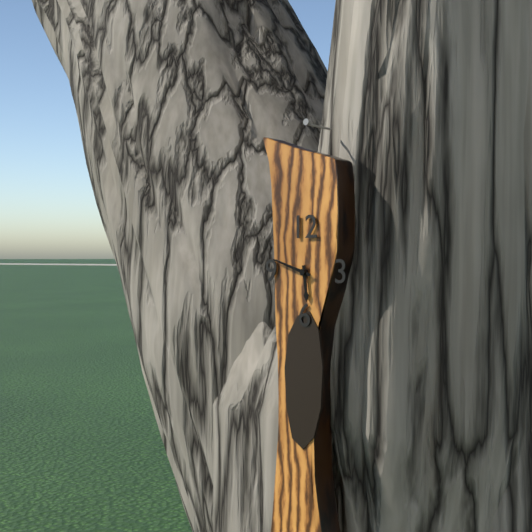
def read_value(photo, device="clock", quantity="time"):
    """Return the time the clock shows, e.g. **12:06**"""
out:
**5:48**
